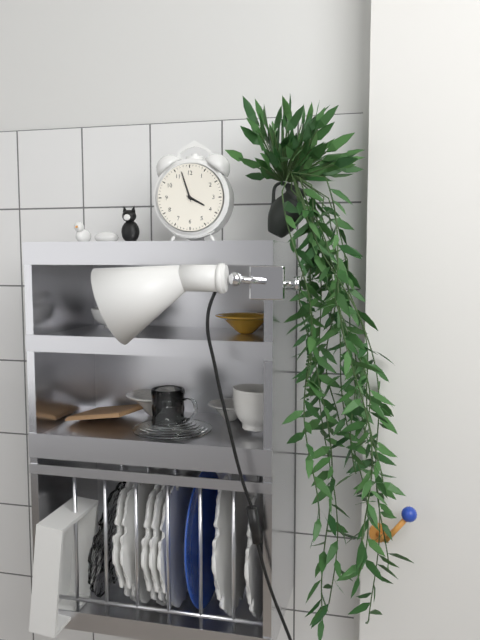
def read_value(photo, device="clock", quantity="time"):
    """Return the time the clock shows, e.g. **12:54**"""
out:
**3:57**
